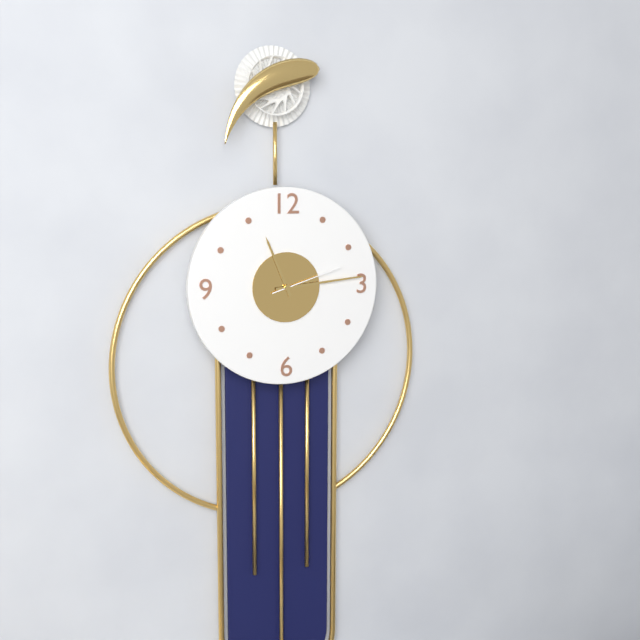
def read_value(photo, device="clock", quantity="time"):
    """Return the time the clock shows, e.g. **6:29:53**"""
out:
**11:14:12**
